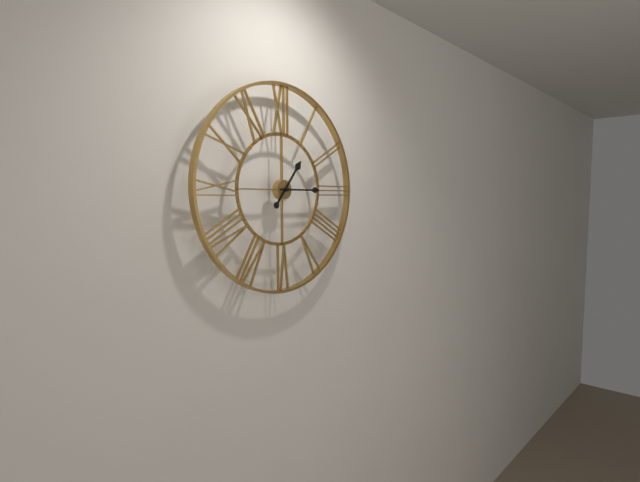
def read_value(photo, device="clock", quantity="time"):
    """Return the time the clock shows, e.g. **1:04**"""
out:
**1:15**
